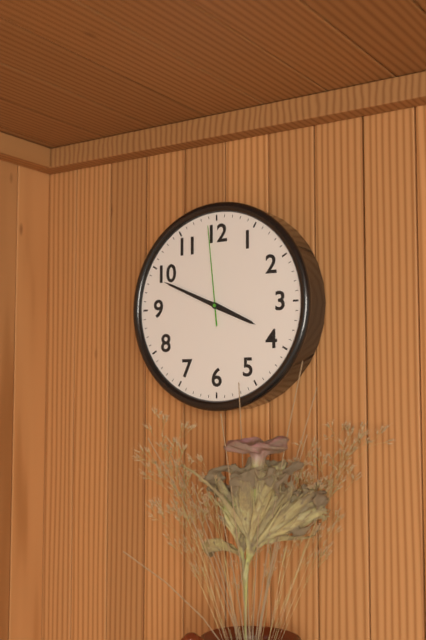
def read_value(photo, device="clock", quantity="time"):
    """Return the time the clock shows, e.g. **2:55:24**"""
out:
**3:49:59**
